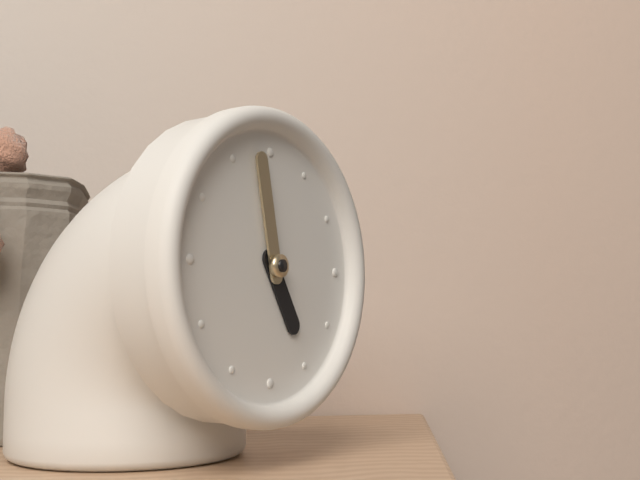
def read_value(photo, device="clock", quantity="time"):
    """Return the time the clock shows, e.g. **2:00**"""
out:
**4:58**
